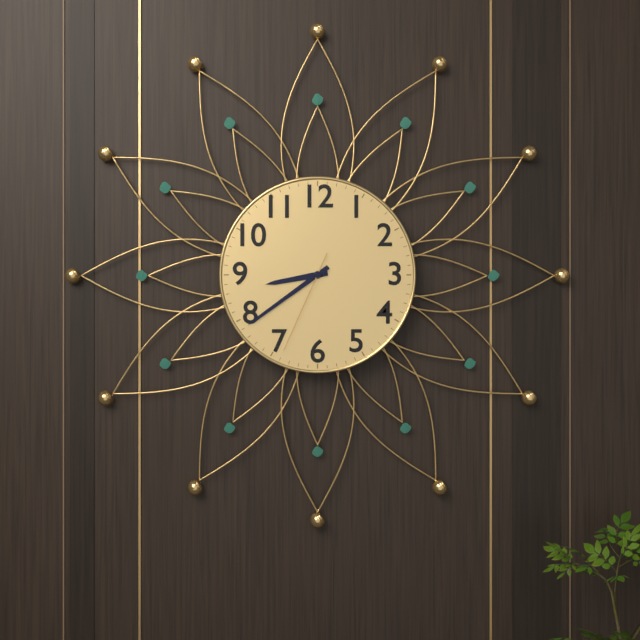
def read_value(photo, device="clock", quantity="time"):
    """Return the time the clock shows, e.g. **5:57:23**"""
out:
**8:39:34**
